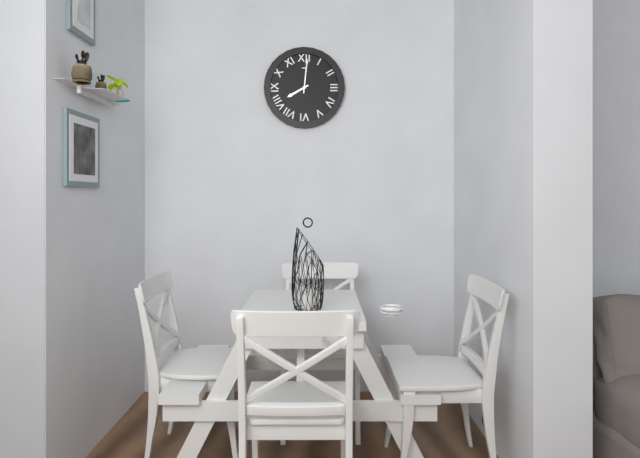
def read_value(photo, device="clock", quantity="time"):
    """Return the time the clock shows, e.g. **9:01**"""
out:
**8:01**
